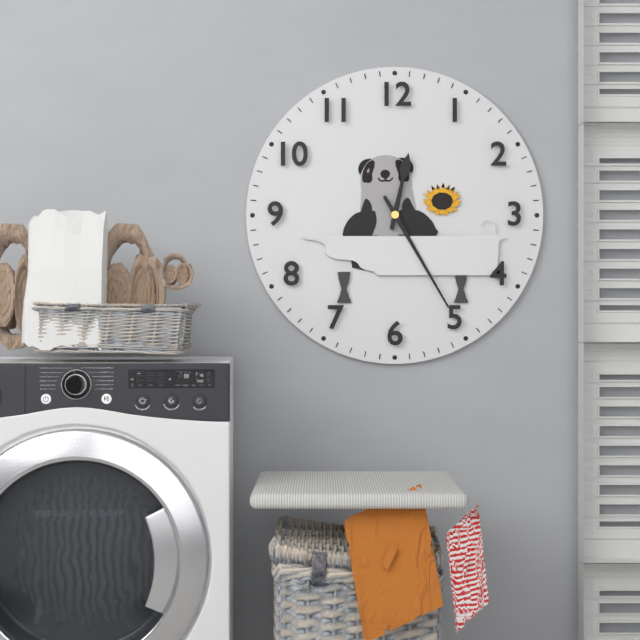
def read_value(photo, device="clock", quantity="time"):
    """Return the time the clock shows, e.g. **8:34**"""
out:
**12:25**
